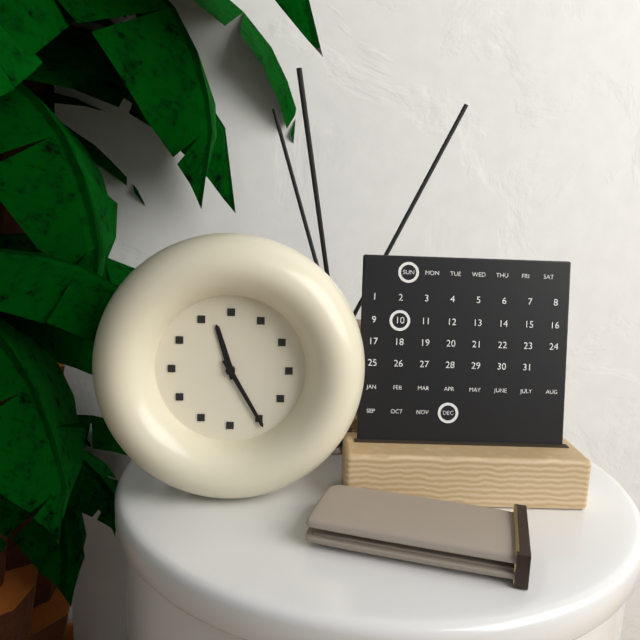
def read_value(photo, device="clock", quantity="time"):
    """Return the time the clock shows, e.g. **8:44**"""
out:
**11:25**
